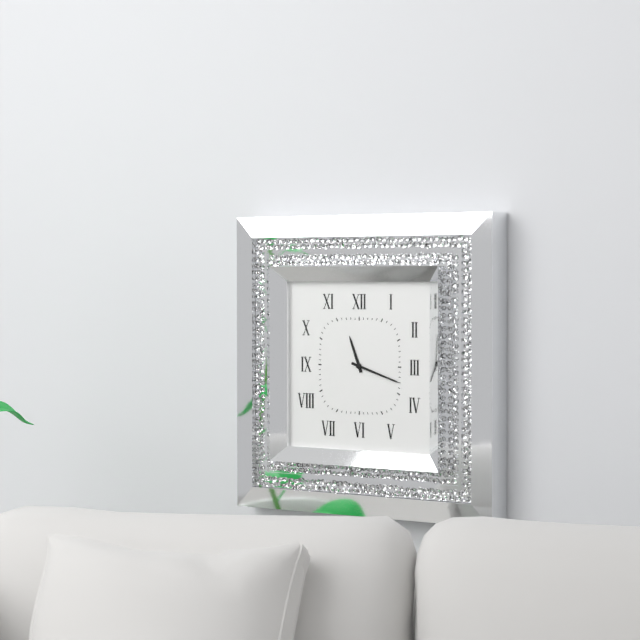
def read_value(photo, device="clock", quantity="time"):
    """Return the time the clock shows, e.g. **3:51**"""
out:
**11:18**
